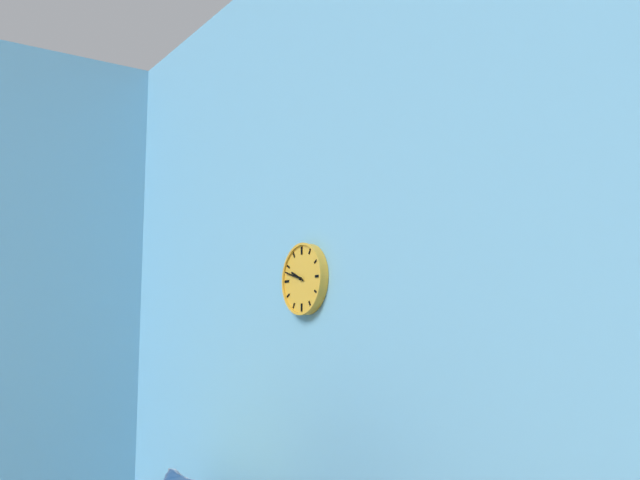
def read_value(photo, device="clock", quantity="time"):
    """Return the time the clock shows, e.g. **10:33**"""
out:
**9:48**
